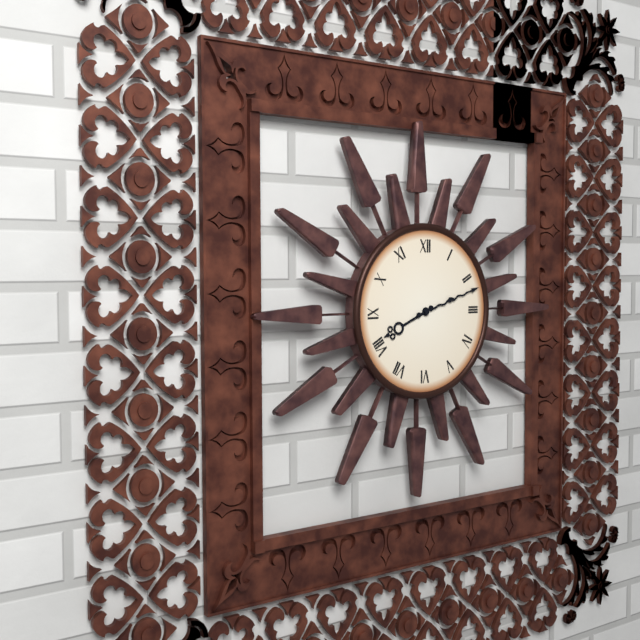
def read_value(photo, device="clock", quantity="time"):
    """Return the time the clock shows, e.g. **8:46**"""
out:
**8:12**
